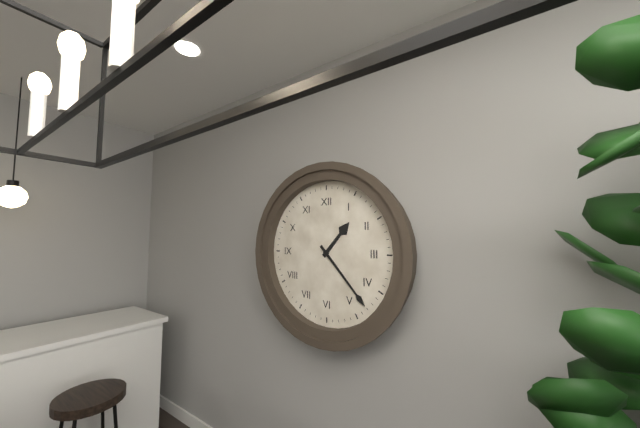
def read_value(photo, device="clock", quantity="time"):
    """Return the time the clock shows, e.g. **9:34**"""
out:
**1:23**
